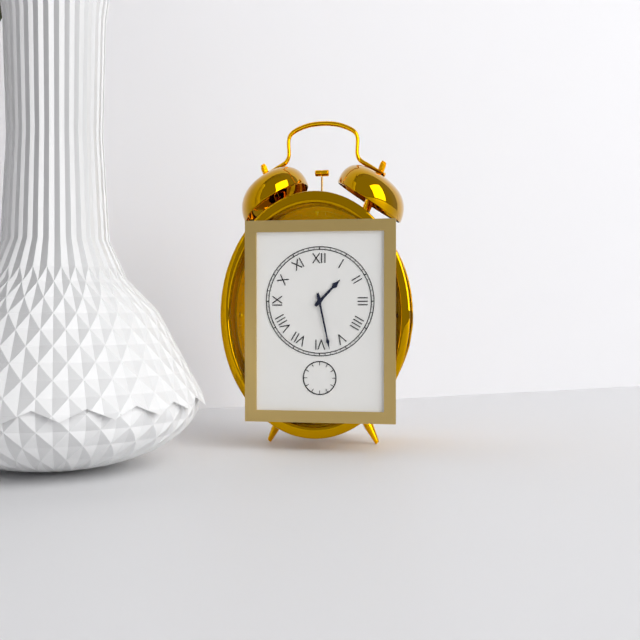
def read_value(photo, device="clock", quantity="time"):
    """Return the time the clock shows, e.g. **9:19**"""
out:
**1:28**
